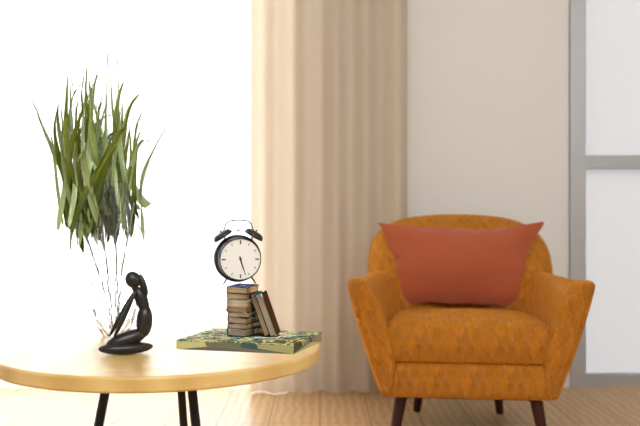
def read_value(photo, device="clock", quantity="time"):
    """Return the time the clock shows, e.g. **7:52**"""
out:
**5:27**
